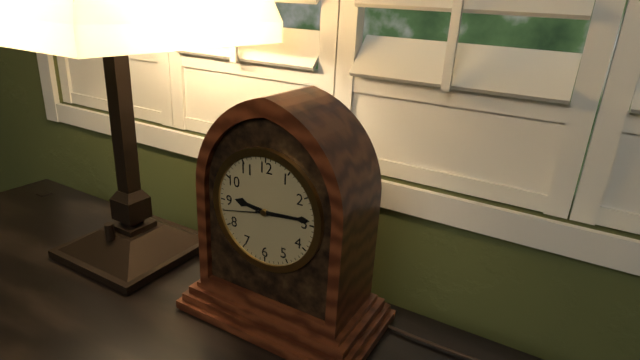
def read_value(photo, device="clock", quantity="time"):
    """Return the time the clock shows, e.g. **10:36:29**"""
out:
**9:14:43**
